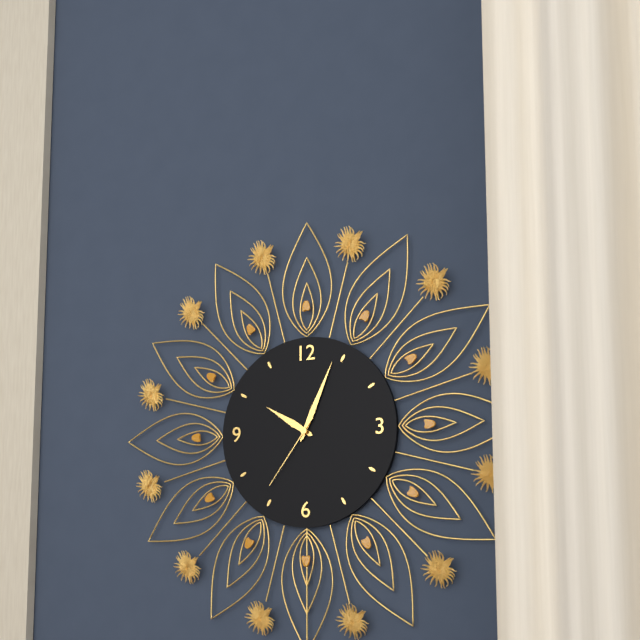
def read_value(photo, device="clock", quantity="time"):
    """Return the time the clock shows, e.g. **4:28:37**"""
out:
**10:04:36**
